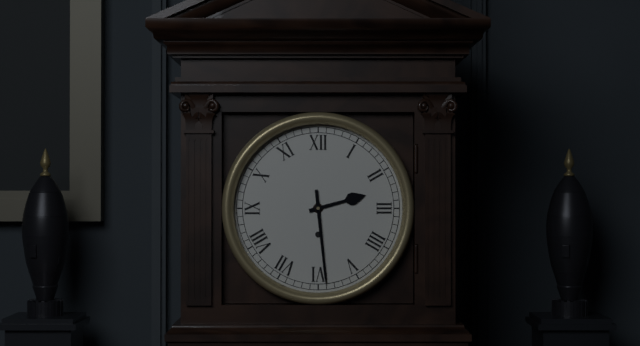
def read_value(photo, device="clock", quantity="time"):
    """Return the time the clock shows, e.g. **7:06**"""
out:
**2:29**
